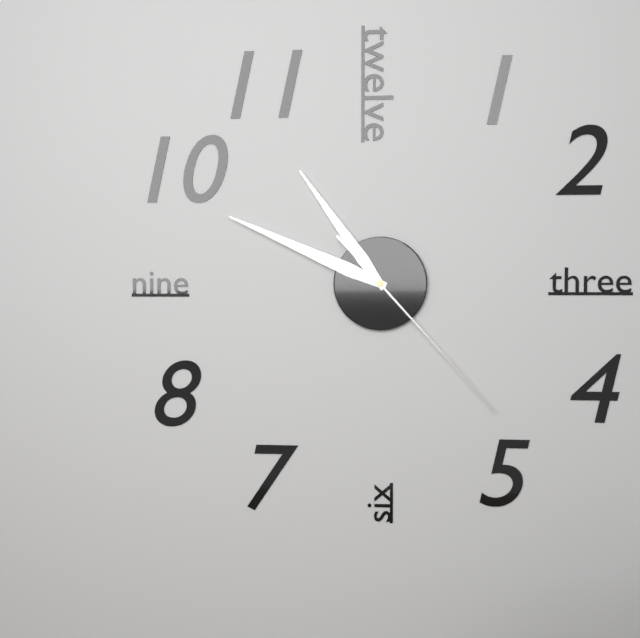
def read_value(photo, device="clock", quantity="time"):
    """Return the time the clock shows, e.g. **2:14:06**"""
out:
**10:49:23**
